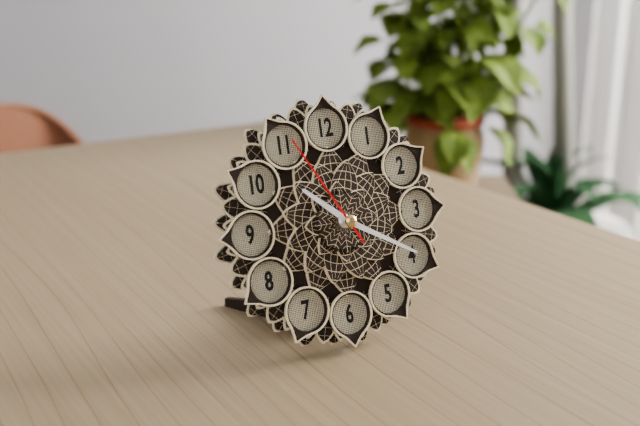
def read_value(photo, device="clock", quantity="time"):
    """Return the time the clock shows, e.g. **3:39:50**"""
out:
**10:20:55**
